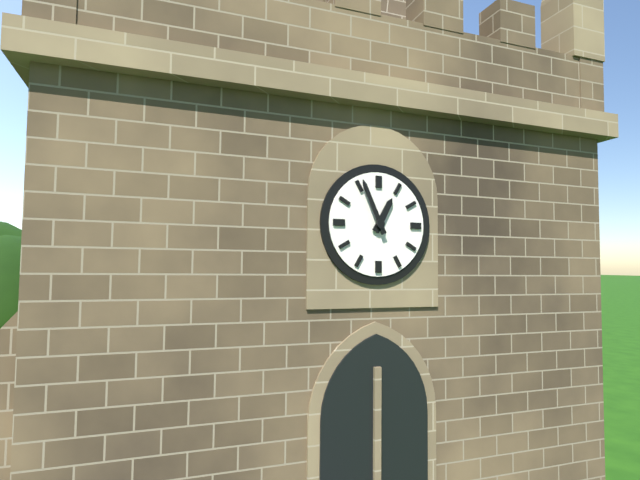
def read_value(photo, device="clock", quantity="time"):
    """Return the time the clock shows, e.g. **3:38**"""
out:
**12:56**
